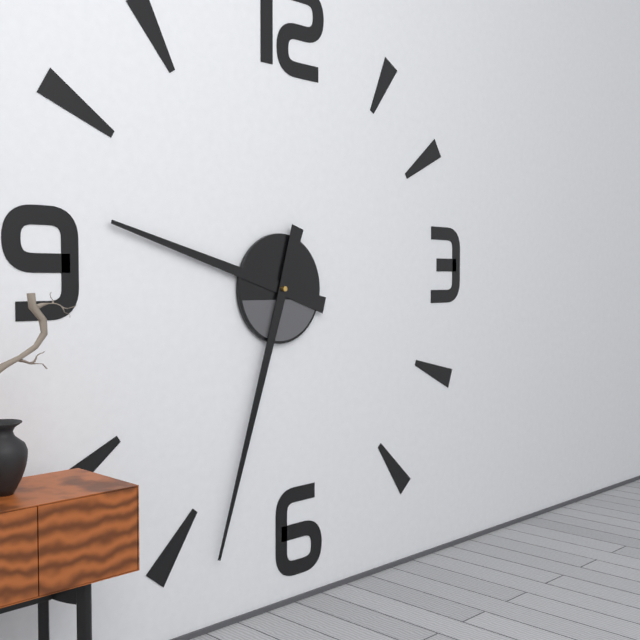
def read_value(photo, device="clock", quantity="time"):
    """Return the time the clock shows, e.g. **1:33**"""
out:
**9:33**
